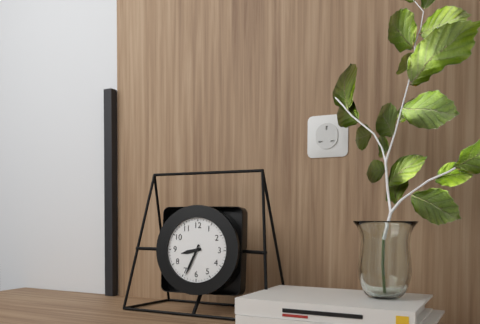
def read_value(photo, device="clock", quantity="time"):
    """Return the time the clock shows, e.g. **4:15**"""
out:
**8:34**
